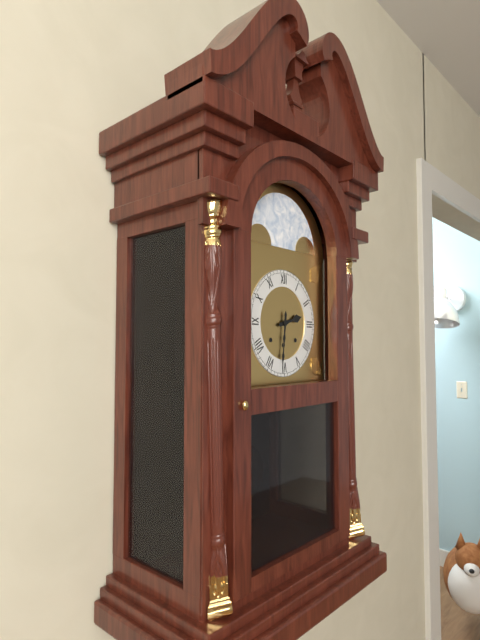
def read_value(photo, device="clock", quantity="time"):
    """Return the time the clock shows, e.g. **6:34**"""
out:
**2:31**
